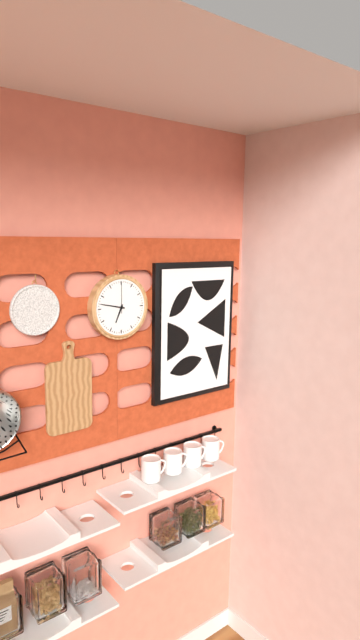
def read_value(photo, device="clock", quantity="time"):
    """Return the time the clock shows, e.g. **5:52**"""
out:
**6:47**
